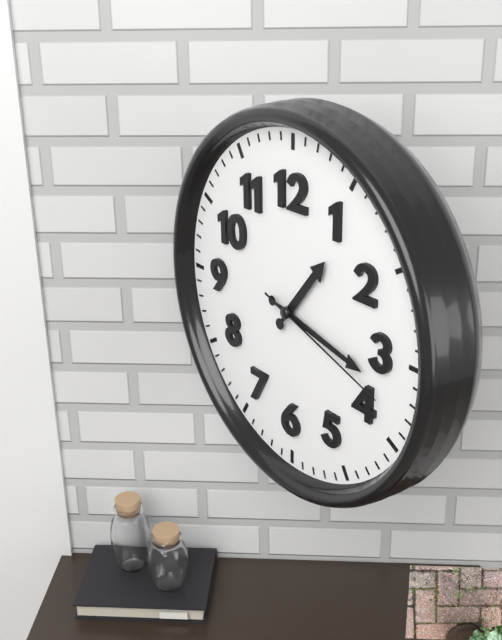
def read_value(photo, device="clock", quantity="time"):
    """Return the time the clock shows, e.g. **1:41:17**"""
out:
**1:17:18**
